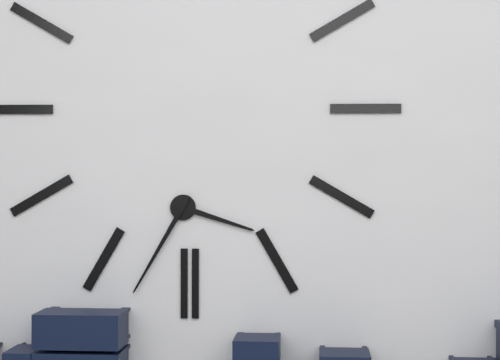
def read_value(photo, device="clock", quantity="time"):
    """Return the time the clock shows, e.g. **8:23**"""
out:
**3:35**
